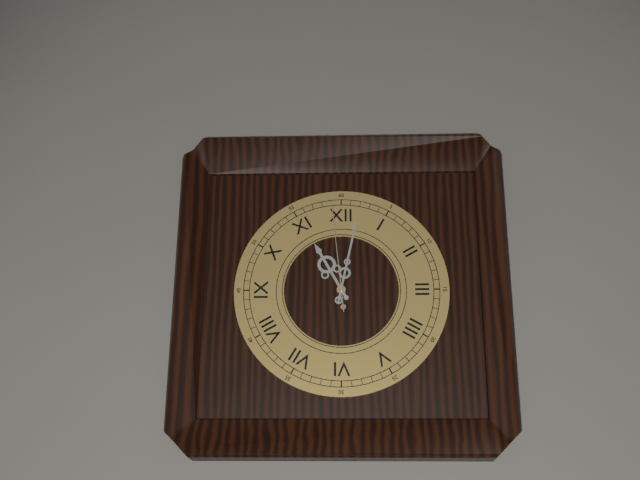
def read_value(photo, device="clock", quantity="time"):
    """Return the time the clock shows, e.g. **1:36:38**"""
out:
**11:02:59**
